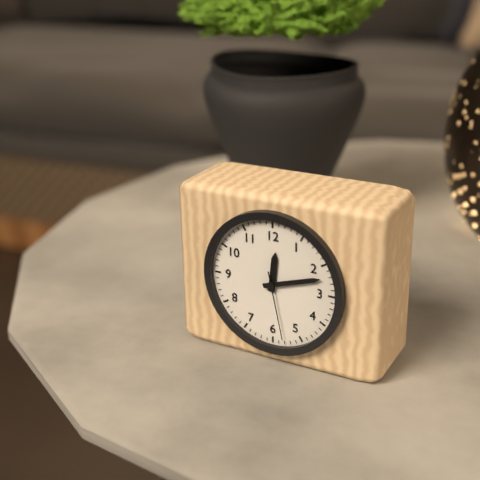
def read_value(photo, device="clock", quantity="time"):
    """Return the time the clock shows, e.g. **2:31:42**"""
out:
**12:12:28**
